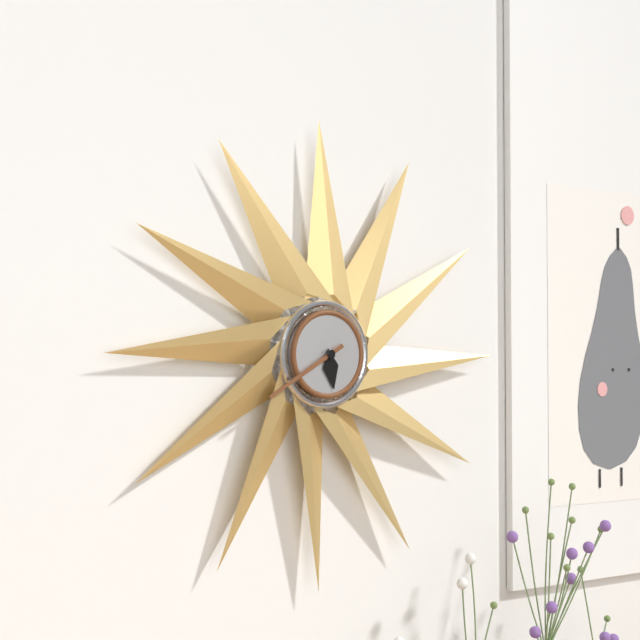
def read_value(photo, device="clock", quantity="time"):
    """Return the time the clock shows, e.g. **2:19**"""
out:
**5:40**
